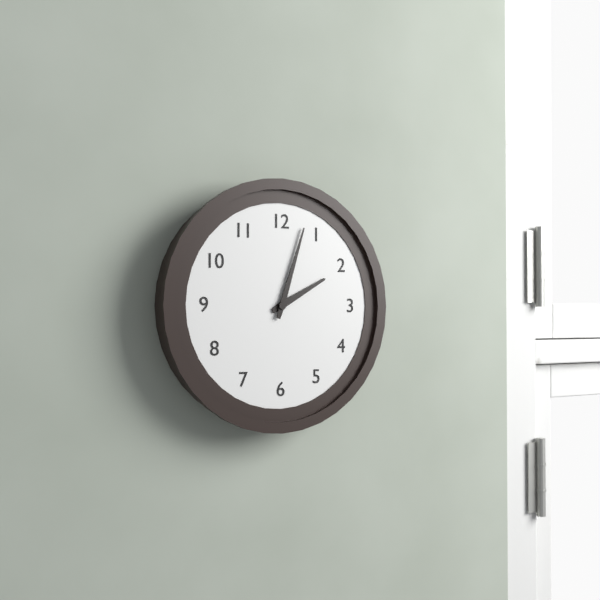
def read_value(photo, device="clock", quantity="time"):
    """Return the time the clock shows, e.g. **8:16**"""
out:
**2:03**
